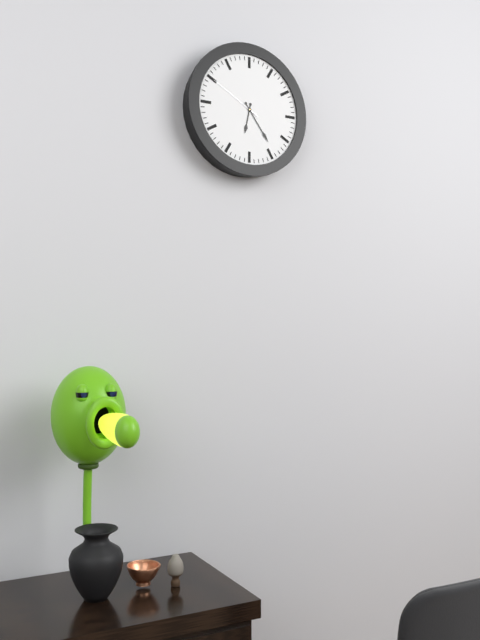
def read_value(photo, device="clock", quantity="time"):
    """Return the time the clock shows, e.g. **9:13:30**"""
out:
**6:24:50**
